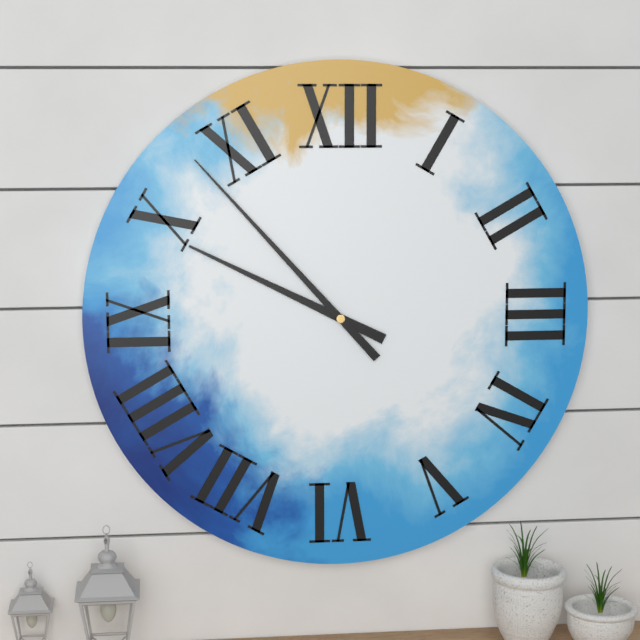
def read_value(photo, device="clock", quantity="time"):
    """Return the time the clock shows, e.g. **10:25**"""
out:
**9:53**
